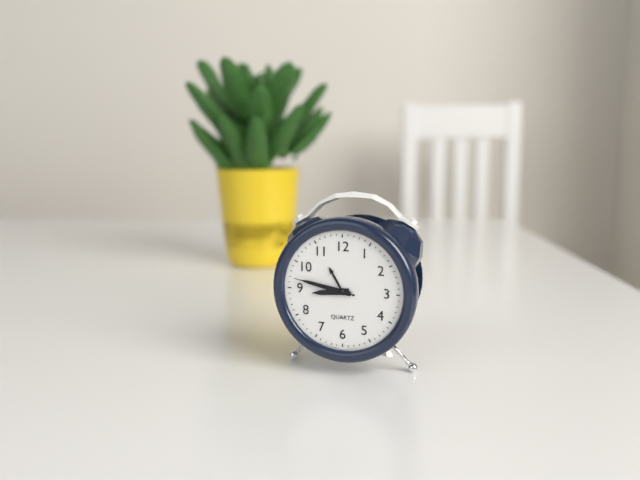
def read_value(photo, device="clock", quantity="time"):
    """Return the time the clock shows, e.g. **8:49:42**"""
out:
**8:47:47**
